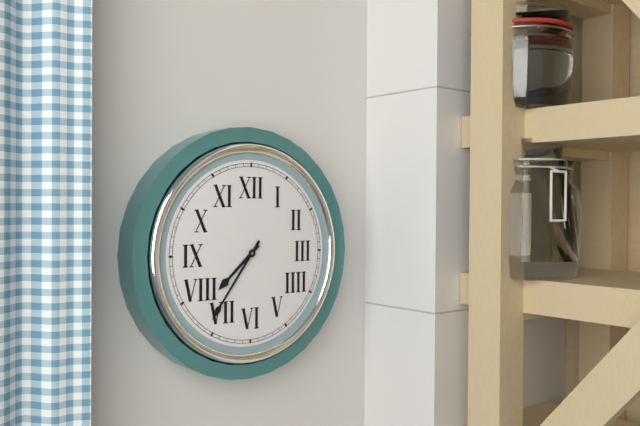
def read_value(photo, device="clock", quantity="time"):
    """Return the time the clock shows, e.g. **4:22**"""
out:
**7:36**
